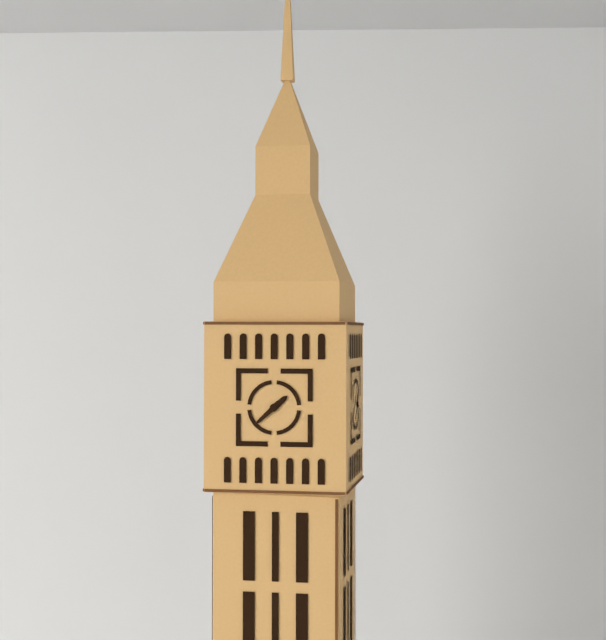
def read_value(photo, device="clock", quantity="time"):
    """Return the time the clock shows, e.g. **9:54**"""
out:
**1:38**
